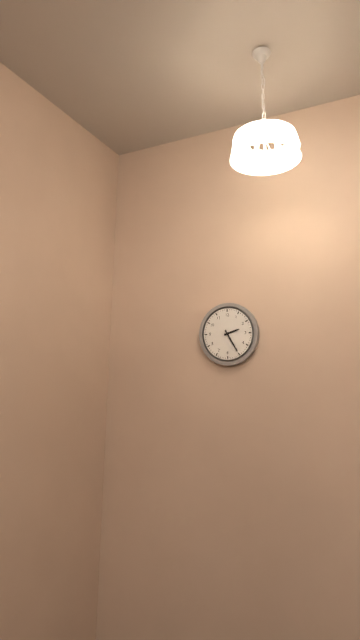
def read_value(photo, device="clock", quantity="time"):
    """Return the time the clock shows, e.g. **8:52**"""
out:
**2:25**
